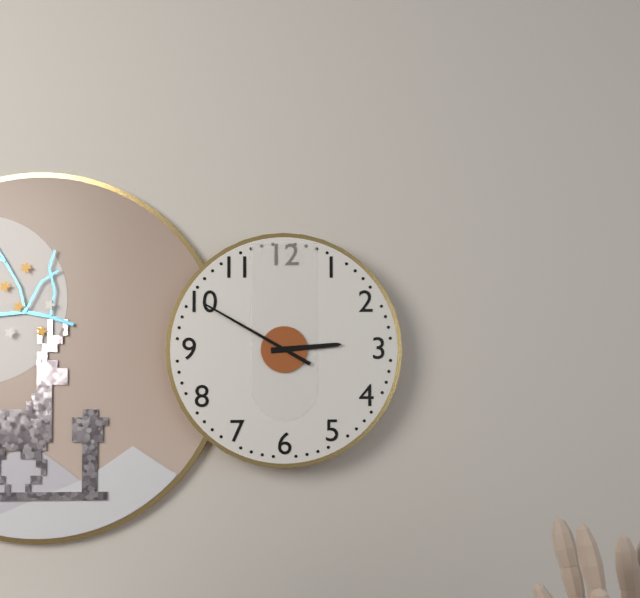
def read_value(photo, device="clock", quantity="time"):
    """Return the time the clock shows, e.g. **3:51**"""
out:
**2:50**
